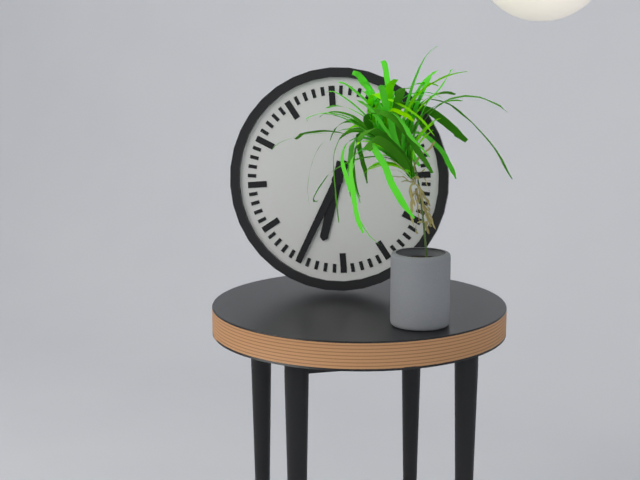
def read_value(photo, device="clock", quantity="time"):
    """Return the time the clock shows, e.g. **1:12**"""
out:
**6:35**
